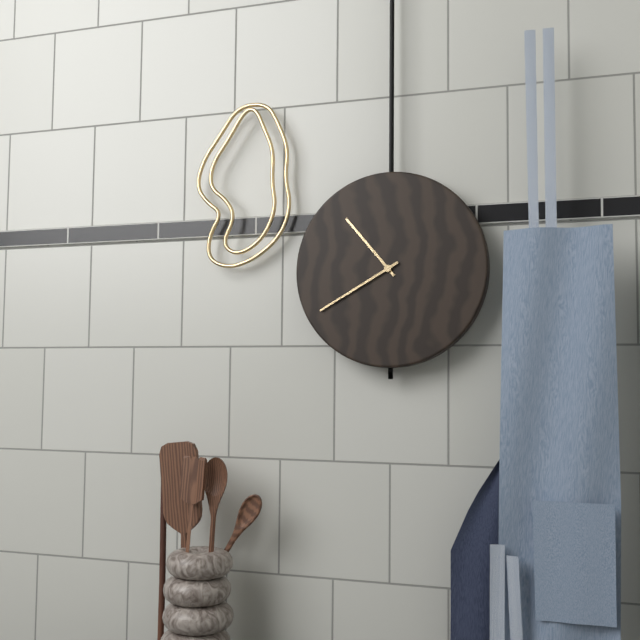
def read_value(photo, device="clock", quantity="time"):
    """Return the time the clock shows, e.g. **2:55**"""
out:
**10:40**
